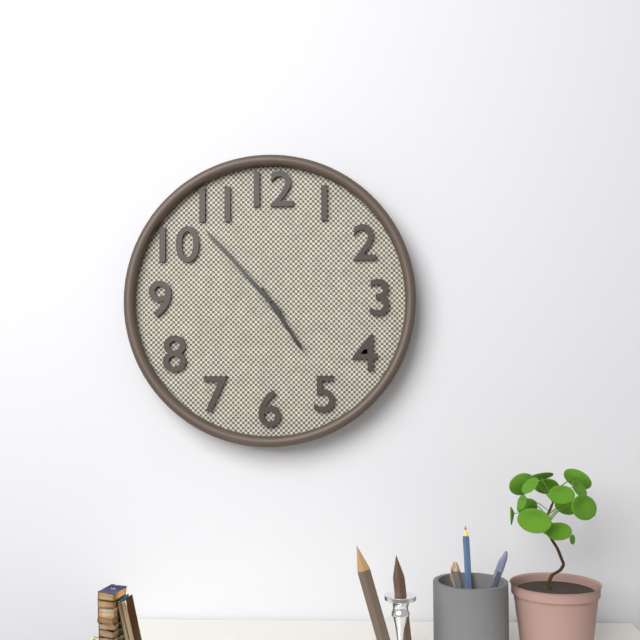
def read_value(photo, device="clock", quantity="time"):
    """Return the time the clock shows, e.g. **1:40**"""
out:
**4:53**
